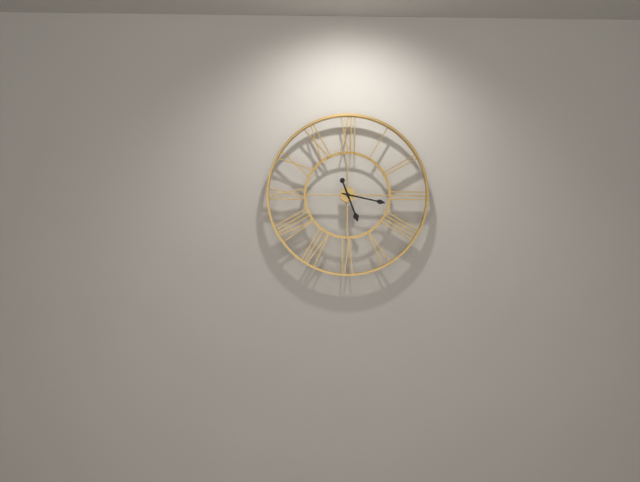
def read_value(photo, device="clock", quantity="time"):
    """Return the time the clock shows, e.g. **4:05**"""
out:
**5:17**
